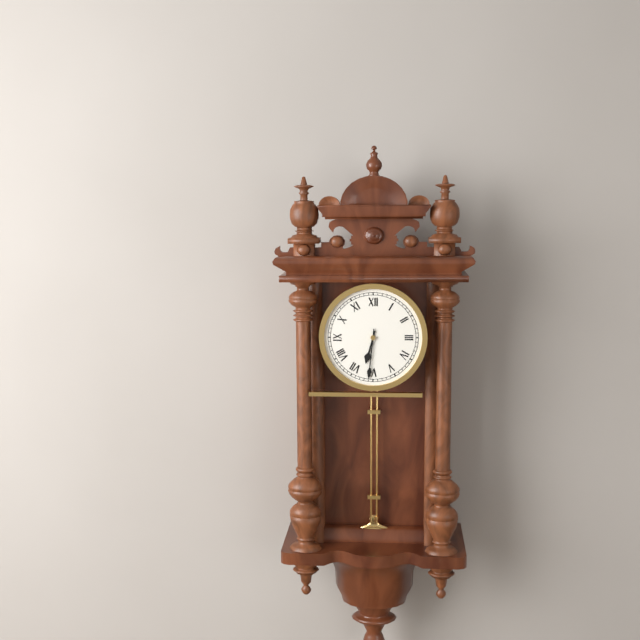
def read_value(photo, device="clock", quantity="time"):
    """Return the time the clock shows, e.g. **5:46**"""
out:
**6:31**
